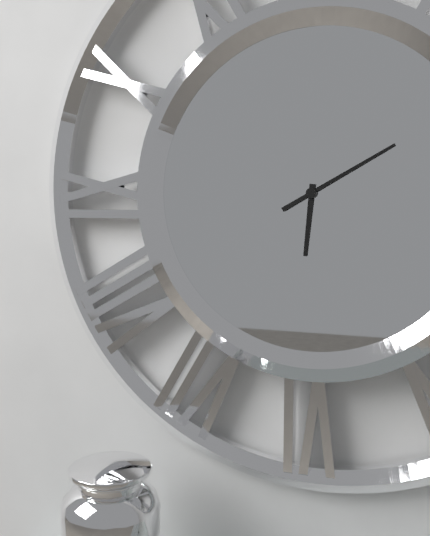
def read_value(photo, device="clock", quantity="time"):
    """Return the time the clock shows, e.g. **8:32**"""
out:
**6:10**
